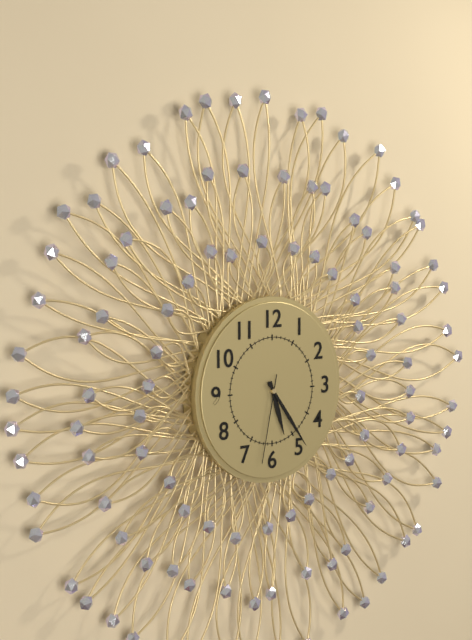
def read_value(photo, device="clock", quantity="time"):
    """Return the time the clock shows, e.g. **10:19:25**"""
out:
**5:24:32**
